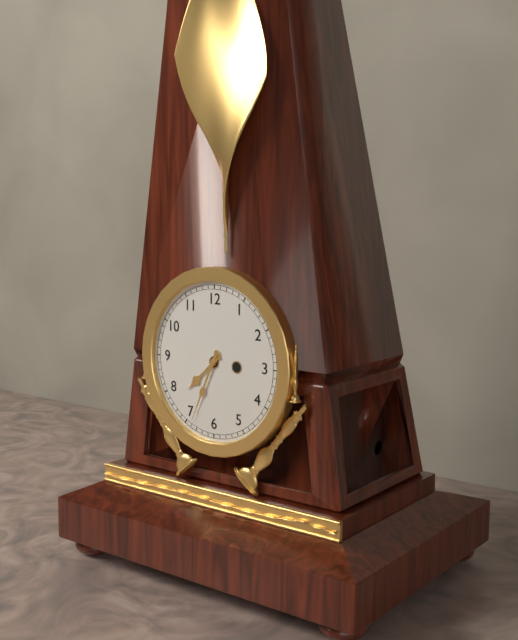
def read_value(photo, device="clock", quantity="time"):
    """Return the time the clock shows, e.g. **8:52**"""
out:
**7:34**
